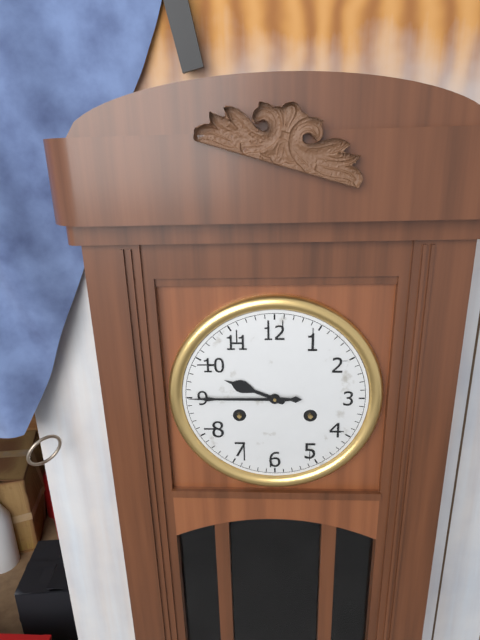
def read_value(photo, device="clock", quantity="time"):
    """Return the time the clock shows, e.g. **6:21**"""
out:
**9:45**
